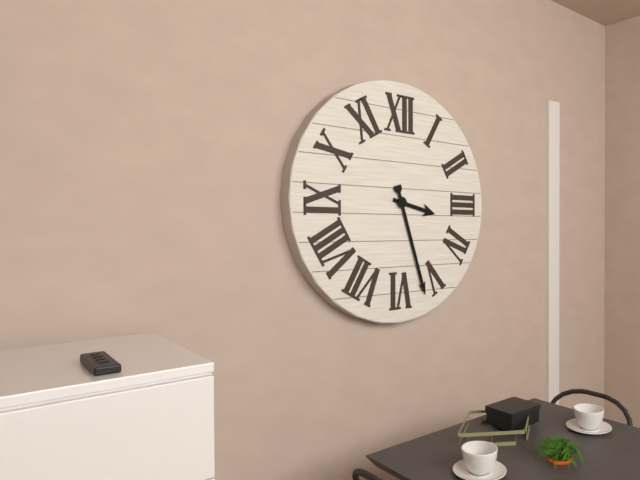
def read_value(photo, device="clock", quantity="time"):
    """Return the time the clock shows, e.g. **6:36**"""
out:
**3:27**
